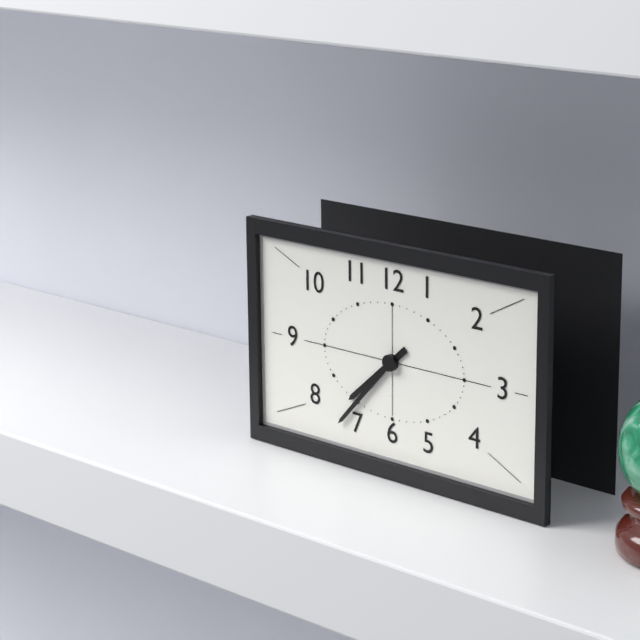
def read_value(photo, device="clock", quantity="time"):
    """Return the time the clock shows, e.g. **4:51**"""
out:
**7:37**
